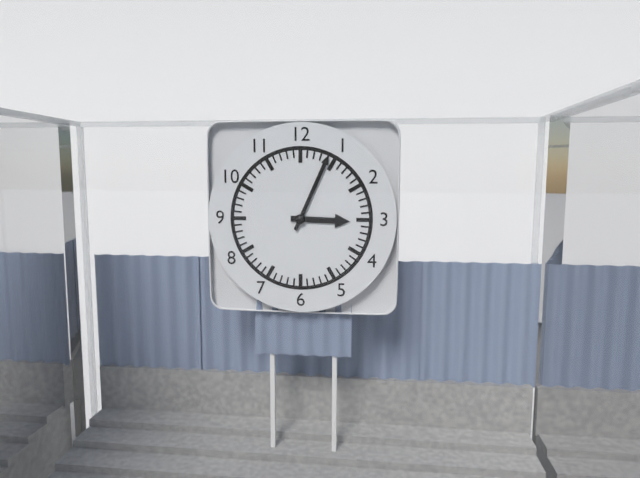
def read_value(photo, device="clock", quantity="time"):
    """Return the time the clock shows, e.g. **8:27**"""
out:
**3:04**
